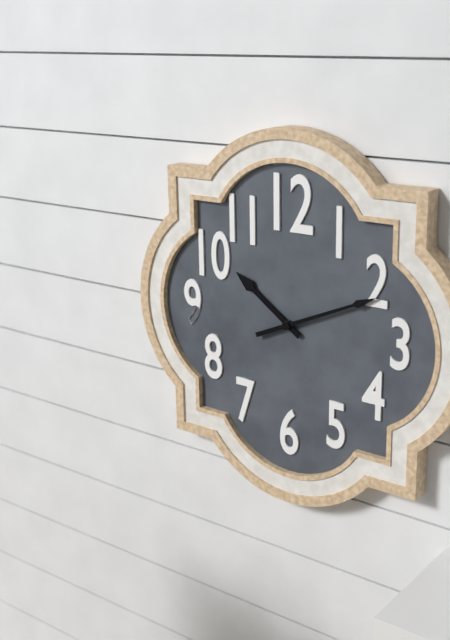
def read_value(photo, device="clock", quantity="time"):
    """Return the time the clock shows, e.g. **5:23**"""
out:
**10:11**
